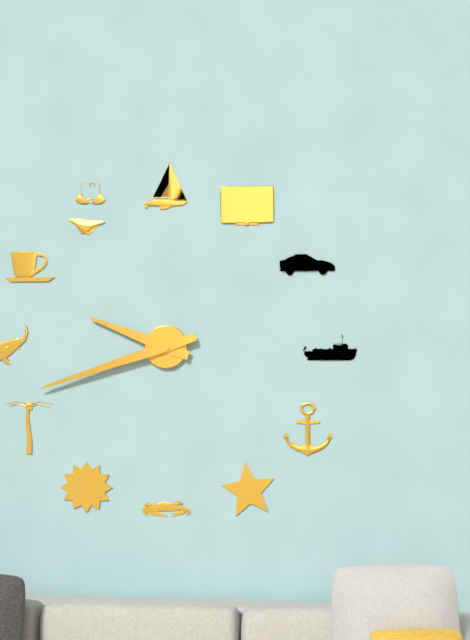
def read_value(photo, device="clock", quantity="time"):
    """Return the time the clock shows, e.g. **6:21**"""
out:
**9:42**
